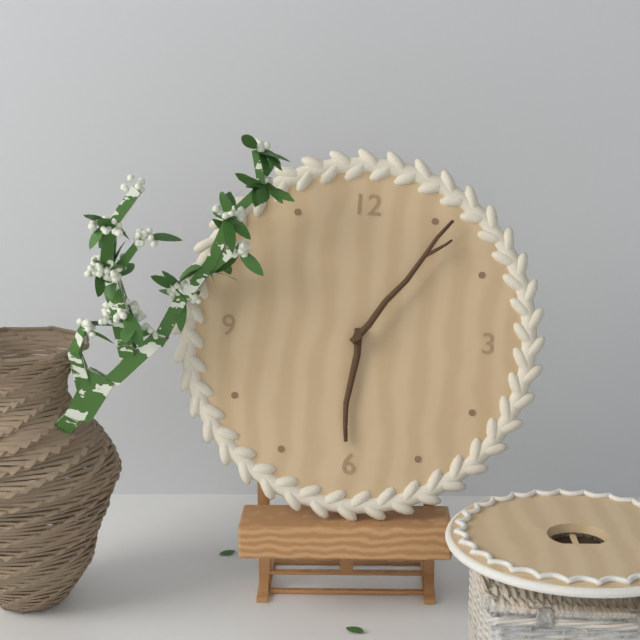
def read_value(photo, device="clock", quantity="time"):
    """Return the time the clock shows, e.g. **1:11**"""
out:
**6:06**
